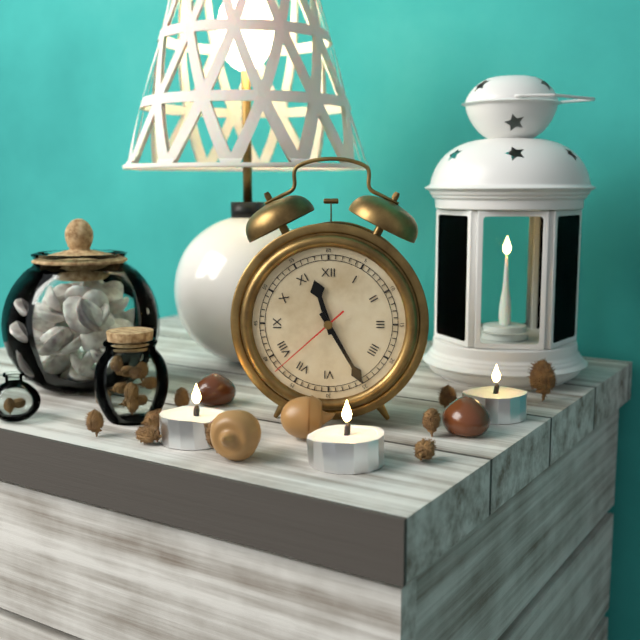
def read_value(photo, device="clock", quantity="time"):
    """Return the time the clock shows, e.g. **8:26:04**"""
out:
**11:25:38**
